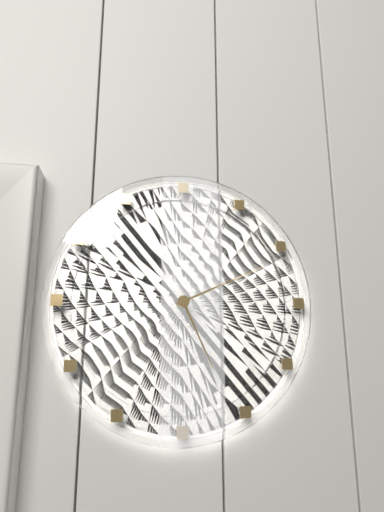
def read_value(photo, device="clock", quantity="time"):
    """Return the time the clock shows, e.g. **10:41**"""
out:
**5:11**
